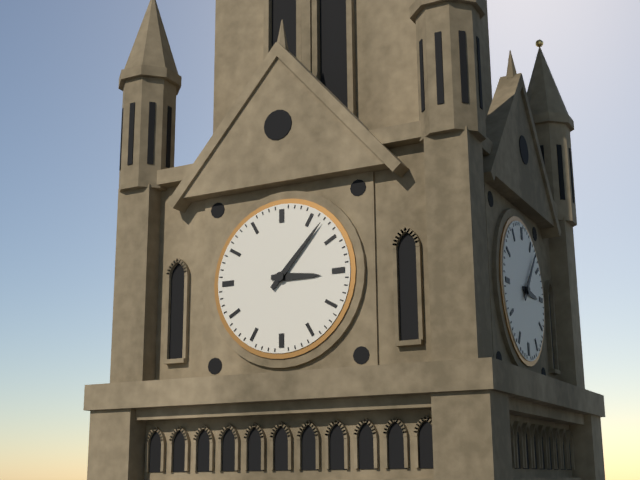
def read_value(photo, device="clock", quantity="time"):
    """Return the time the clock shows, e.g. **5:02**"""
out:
**3:07**
